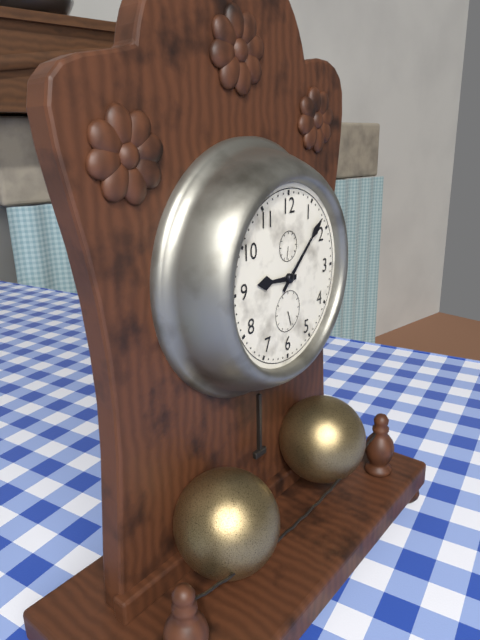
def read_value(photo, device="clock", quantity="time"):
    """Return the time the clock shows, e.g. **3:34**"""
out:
**9:08**
